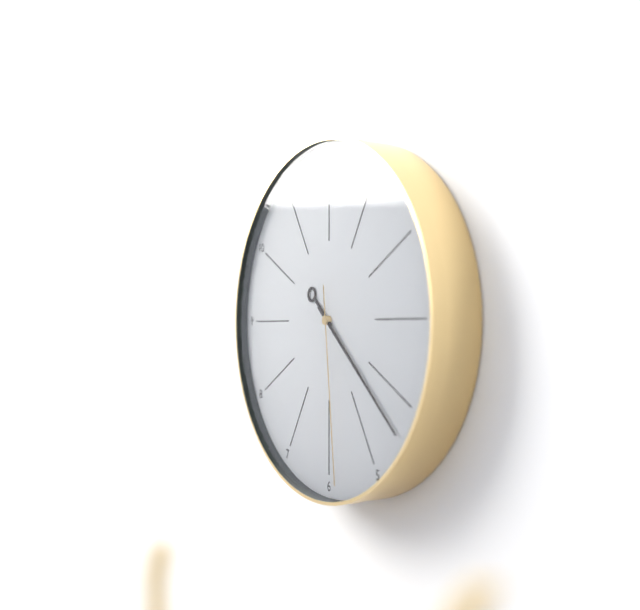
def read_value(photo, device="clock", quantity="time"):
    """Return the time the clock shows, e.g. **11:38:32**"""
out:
**10:22:29**
